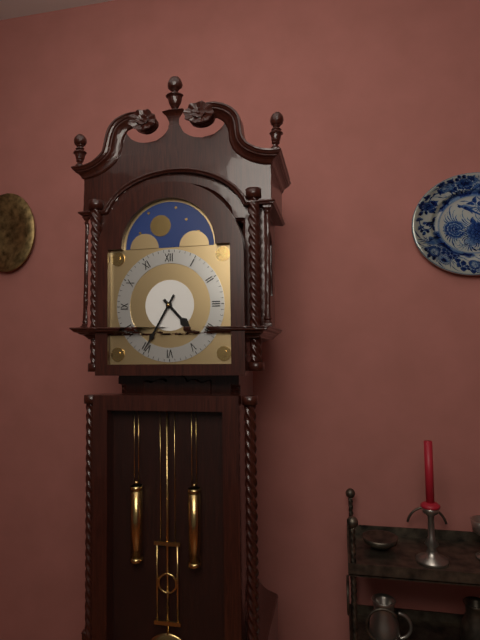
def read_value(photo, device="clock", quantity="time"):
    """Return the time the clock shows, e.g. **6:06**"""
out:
**4:35**
